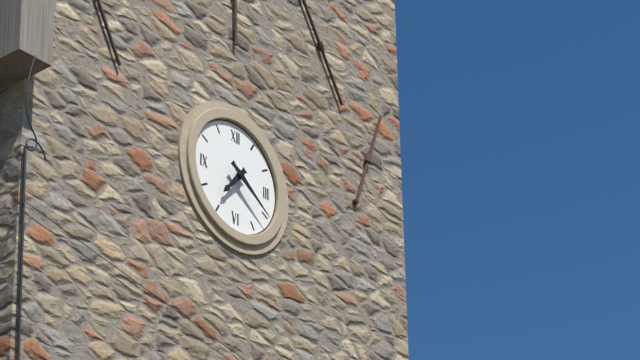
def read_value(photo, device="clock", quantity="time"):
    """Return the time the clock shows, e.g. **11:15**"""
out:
**7:21**
